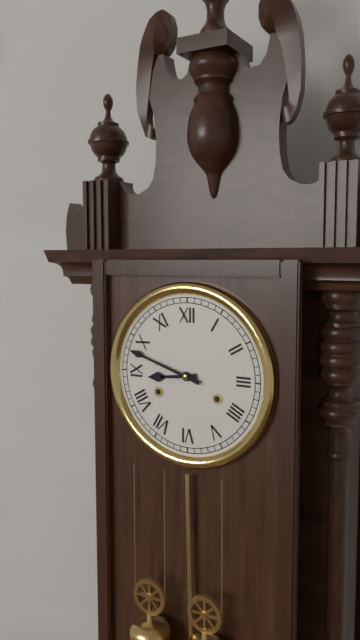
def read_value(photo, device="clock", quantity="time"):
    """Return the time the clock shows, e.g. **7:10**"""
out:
**8:48**
